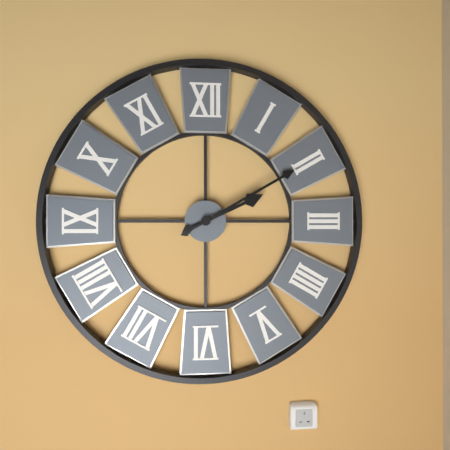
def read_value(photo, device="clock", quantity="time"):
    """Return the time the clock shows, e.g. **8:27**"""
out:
**2:10**
